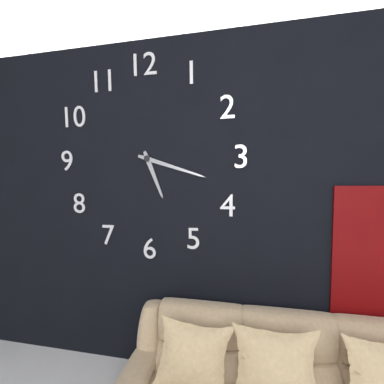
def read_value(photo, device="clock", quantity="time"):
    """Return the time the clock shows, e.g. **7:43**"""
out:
**5:18**
